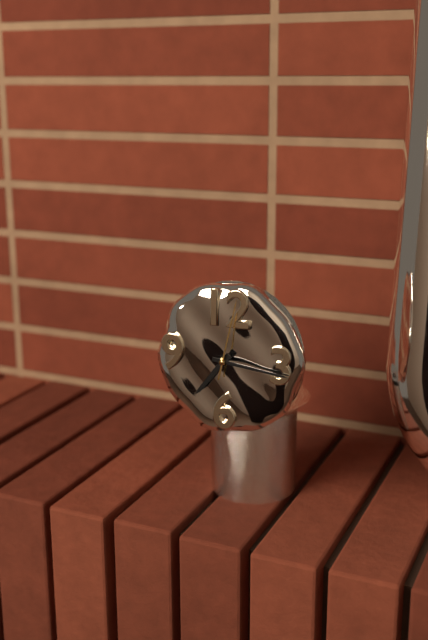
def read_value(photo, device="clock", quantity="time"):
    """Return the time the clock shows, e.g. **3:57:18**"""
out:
**7:16:02**
